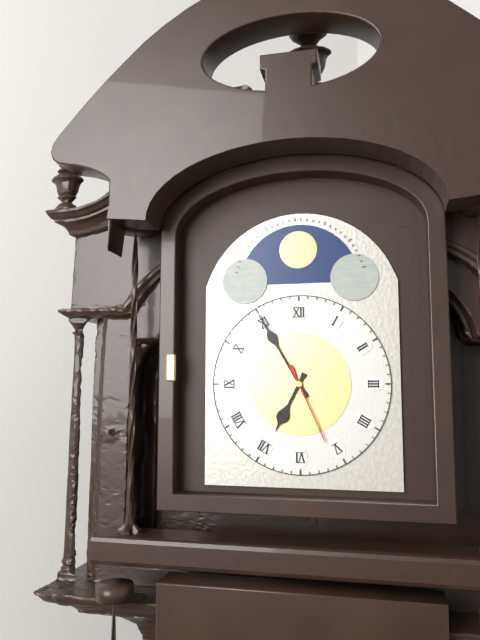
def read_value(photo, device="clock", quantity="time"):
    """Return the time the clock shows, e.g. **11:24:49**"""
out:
**6:55:26**
